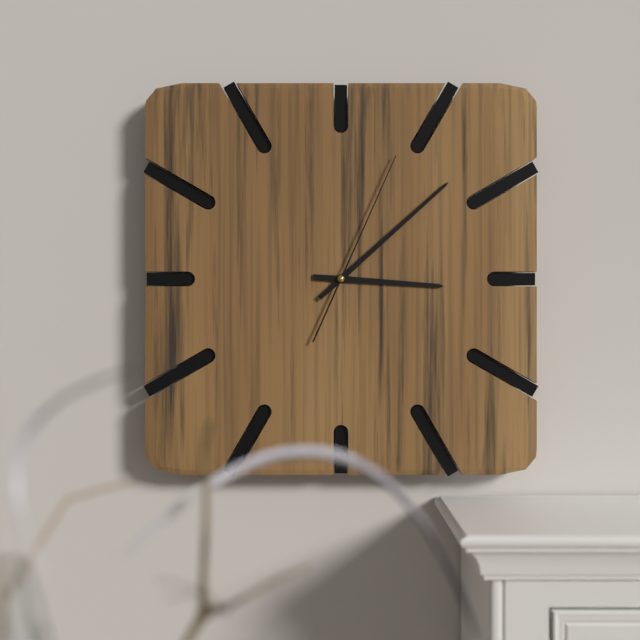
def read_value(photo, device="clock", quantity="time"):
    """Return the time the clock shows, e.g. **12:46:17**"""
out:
**3:08:04**
